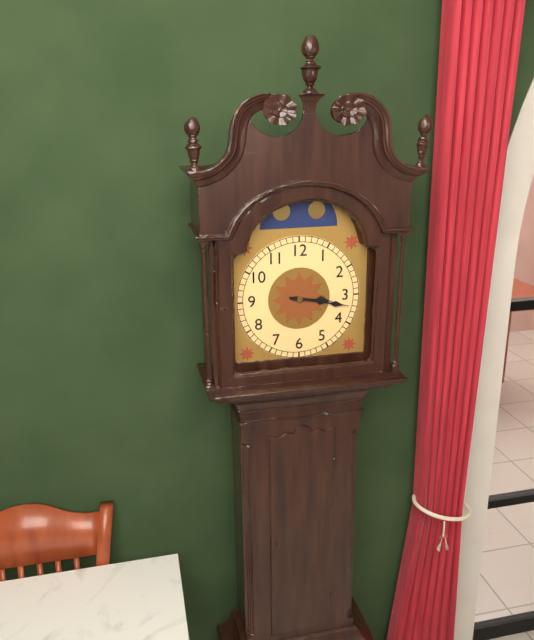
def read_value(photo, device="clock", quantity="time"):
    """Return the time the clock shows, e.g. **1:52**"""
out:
**3:17**
